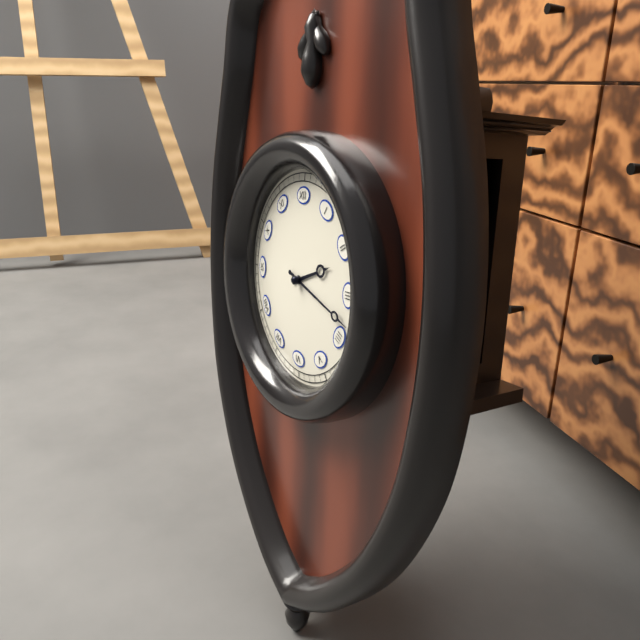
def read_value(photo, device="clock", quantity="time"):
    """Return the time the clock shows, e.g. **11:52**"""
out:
**2:18**
